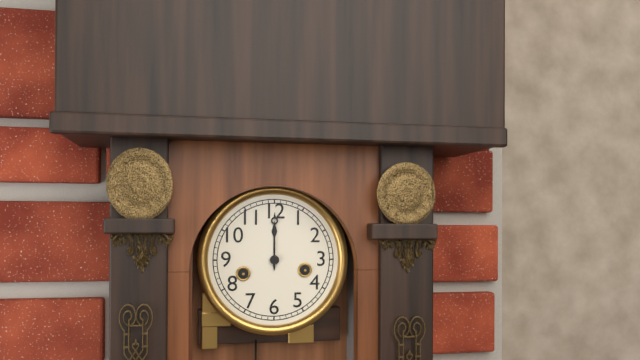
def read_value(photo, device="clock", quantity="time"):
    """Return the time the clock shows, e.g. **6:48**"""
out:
**12:00**
